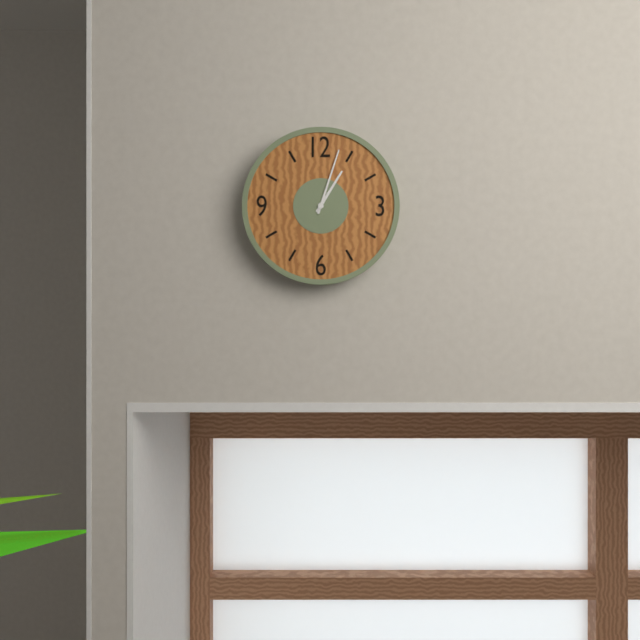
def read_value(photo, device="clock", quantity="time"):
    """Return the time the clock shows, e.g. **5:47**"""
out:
**1:03**
